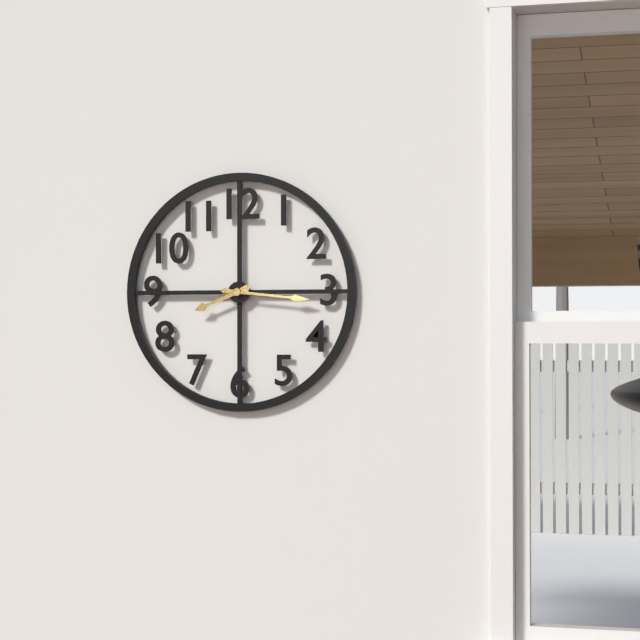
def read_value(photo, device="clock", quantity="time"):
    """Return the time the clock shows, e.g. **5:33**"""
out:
**8:16**
